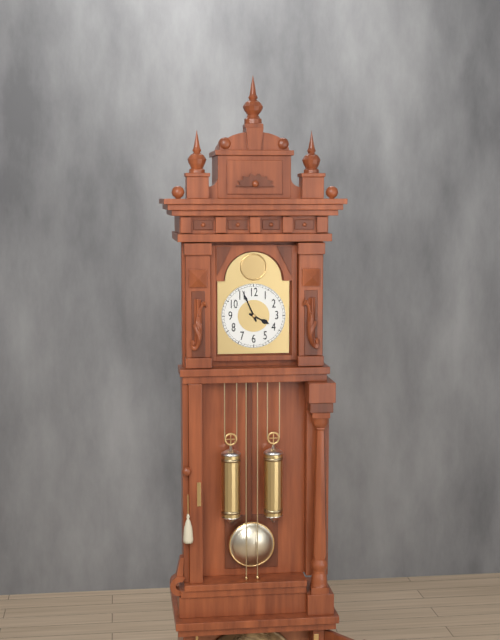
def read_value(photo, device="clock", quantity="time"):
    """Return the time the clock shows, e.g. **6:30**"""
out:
**3:56**
